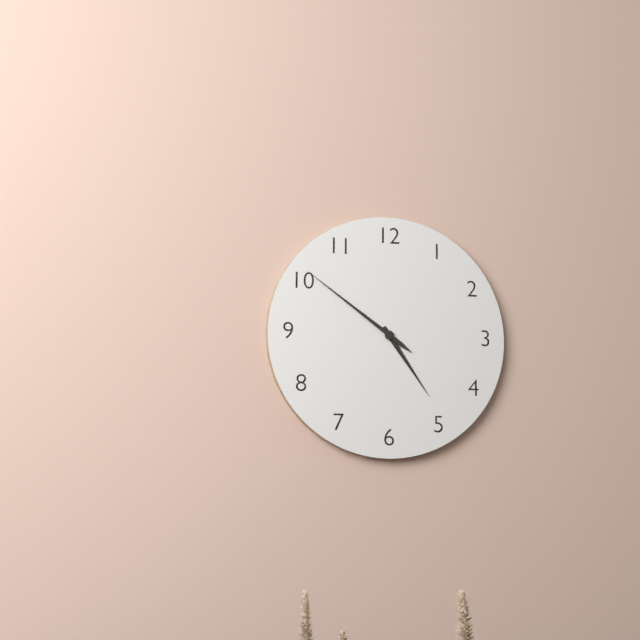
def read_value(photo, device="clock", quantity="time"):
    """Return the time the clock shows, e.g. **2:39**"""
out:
**4:51**
